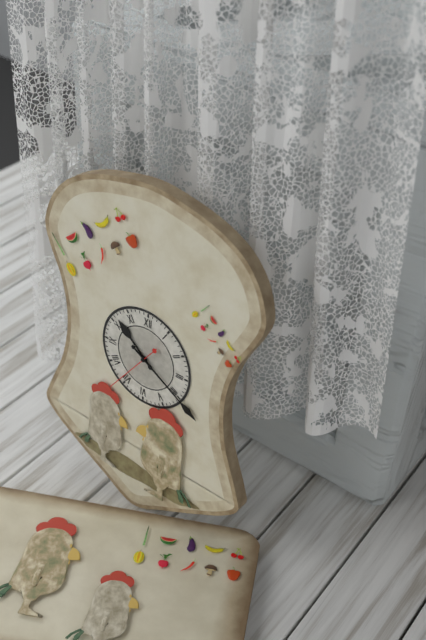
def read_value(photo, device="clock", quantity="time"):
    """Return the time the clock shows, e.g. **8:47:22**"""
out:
**10:20:36**
